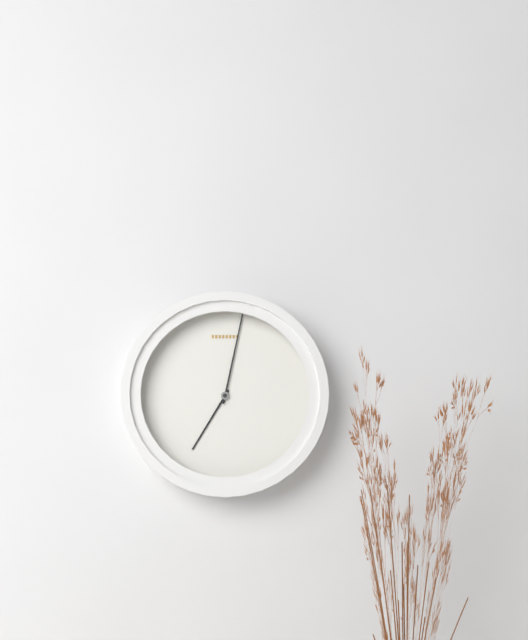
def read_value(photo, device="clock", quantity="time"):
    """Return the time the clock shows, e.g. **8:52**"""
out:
**7:02**
